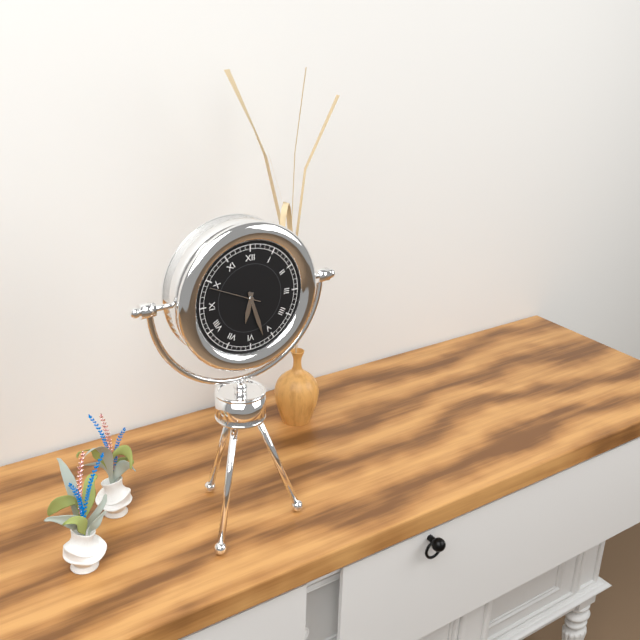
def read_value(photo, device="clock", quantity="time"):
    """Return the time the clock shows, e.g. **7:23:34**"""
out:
**6:27:49**
